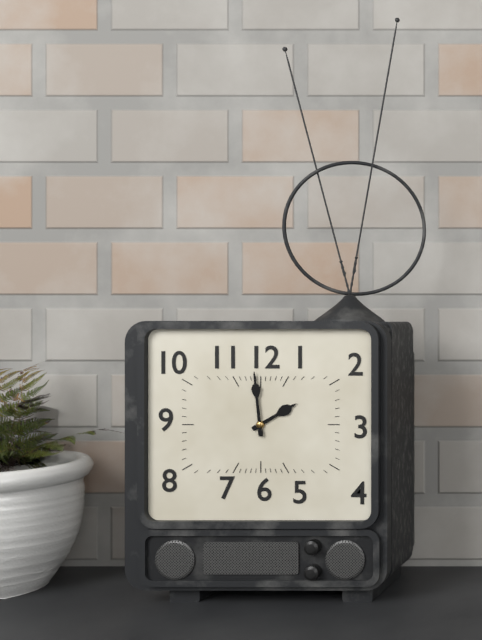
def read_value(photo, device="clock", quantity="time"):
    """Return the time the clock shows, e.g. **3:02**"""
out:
**1:59**
